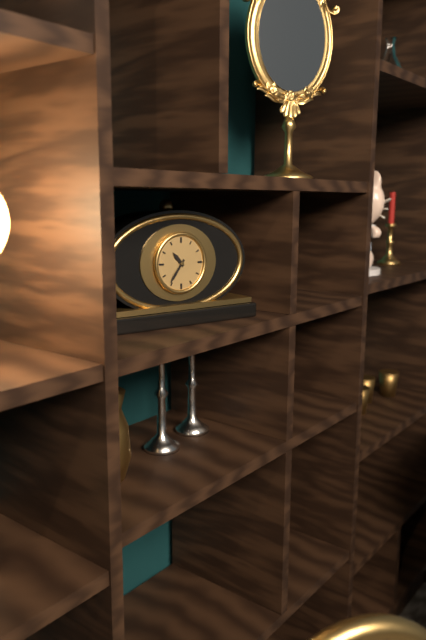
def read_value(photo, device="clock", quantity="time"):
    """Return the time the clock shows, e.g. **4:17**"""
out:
**10:36**
